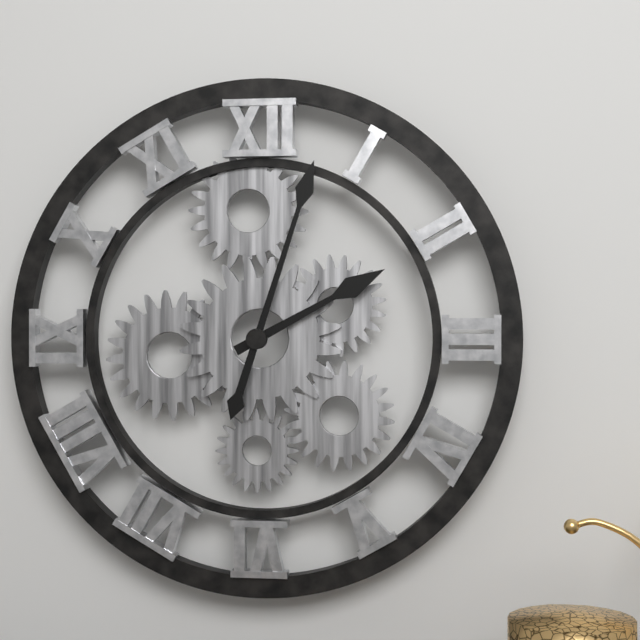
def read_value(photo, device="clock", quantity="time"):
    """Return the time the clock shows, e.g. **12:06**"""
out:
**2:03**
